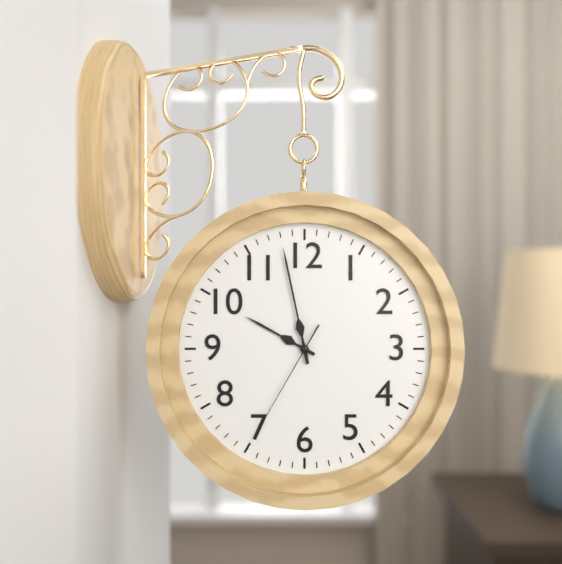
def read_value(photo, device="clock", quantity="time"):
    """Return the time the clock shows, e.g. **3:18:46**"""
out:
**9:58:35**
